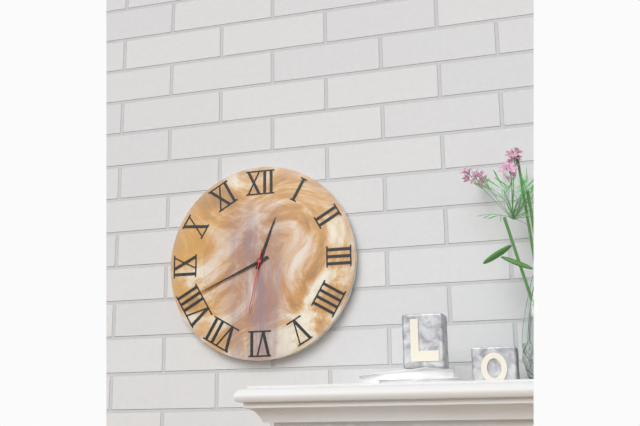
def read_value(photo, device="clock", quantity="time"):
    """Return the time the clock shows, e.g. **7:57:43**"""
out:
**12:41:32**
